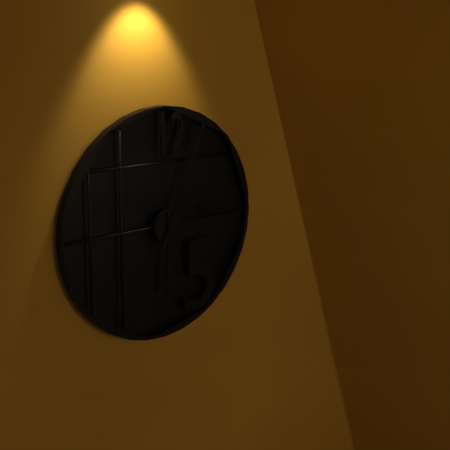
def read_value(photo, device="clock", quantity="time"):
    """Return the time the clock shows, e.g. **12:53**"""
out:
**6:04**
